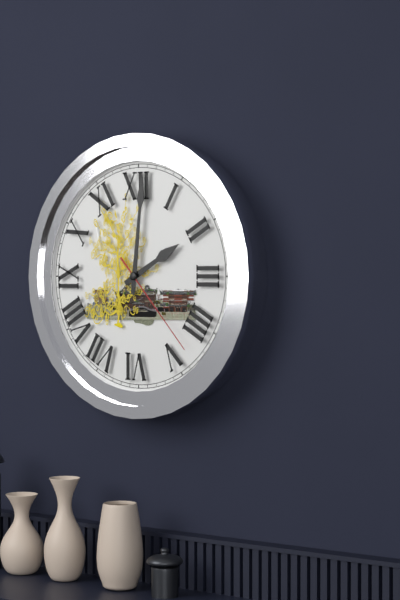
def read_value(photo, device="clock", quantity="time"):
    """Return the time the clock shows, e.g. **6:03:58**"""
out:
**2:01:23**
